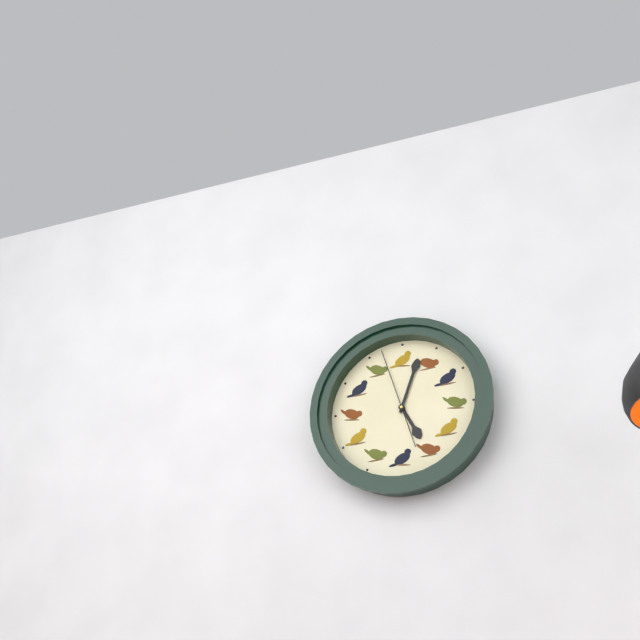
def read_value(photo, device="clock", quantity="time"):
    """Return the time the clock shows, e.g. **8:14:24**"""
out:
**5:03:57**
